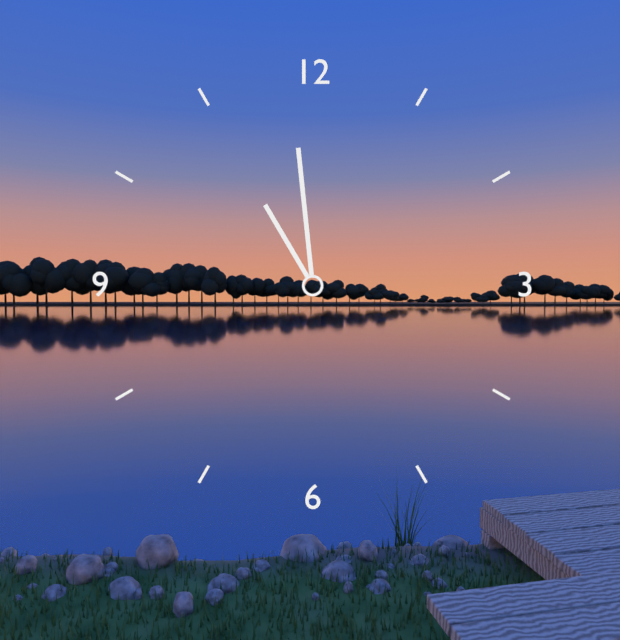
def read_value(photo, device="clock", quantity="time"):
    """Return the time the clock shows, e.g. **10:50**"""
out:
**10:59**
